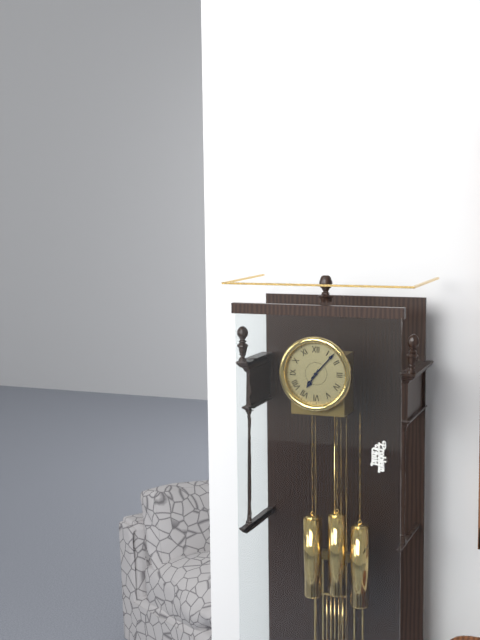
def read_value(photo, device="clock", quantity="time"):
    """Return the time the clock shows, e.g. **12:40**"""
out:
**7:07**
